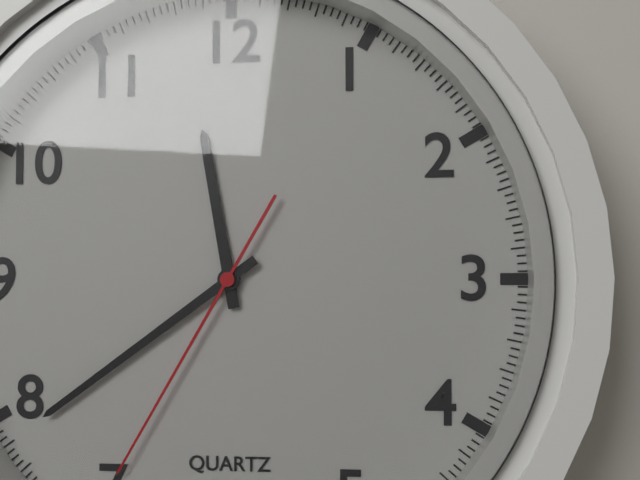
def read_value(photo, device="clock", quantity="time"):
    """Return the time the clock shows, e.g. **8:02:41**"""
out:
**11:39:35**
